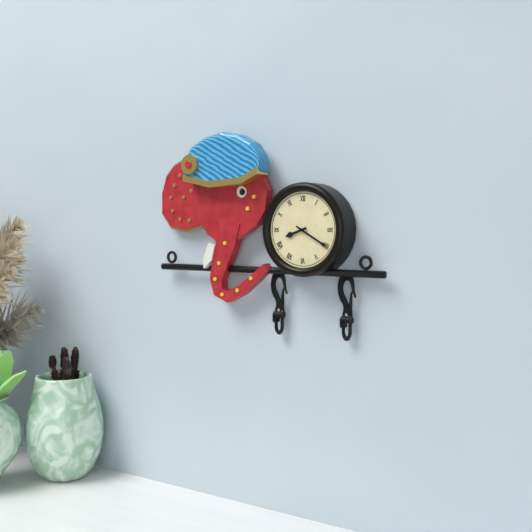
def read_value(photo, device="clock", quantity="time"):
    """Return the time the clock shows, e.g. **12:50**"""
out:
**8:20**
